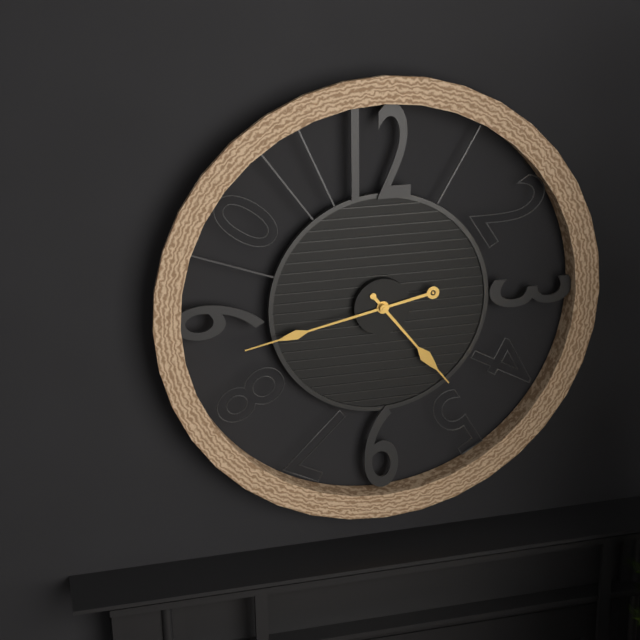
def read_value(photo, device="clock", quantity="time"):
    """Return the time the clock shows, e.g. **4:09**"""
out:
**4:43**
